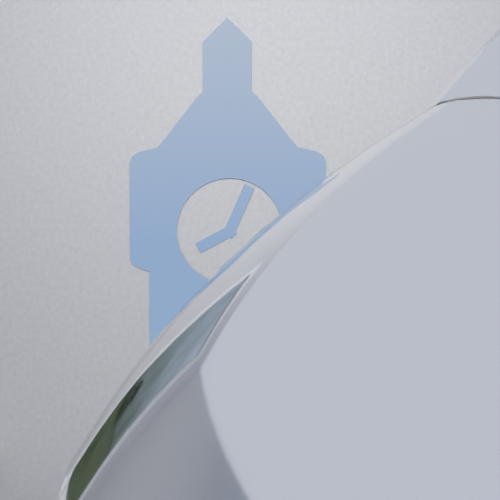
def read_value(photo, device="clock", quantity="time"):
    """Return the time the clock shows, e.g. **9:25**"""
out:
**8:04**
